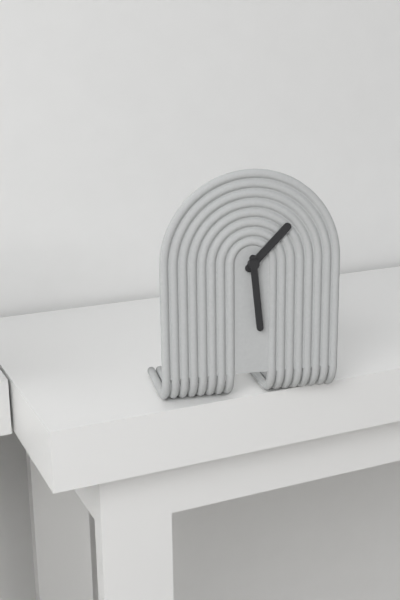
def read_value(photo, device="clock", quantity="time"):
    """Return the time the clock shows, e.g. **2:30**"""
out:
**1:29**
